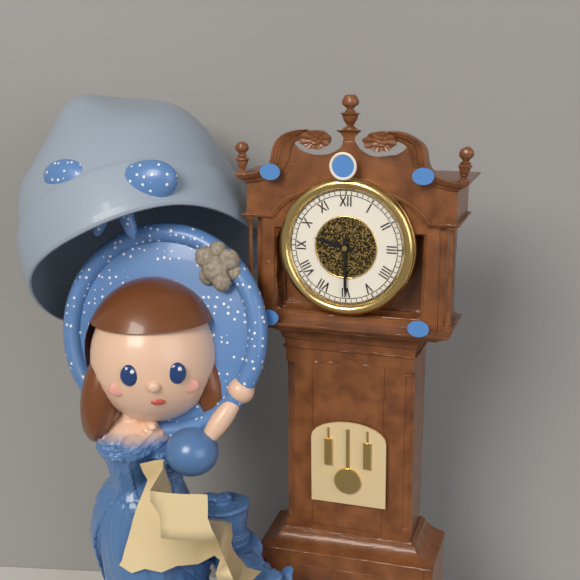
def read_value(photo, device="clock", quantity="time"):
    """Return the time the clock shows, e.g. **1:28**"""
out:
**9:30**
